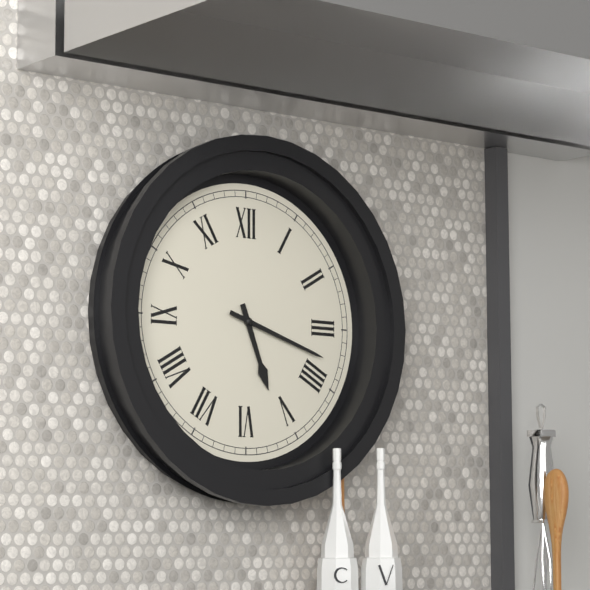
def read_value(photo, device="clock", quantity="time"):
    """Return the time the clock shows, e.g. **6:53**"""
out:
**5:18**
